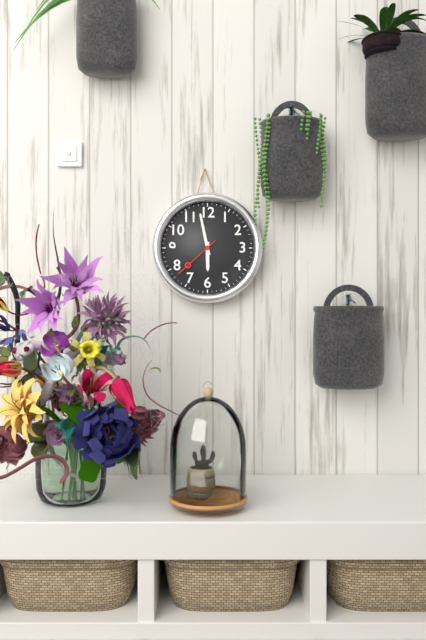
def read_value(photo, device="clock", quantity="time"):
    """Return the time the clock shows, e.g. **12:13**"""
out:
**5:58**
